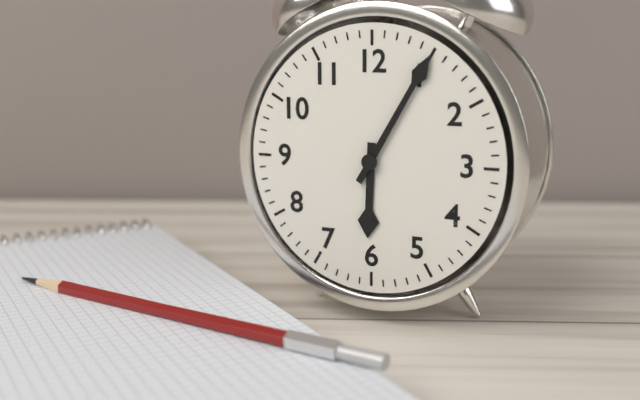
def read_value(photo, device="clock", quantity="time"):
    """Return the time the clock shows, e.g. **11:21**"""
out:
**6:05**
